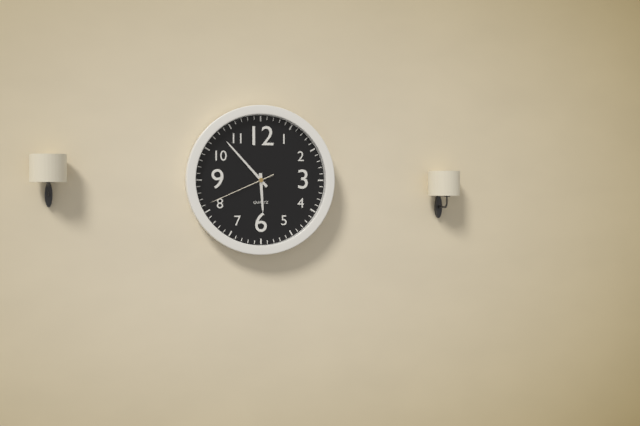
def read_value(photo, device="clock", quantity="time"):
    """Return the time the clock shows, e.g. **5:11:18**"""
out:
**5:53:41**
